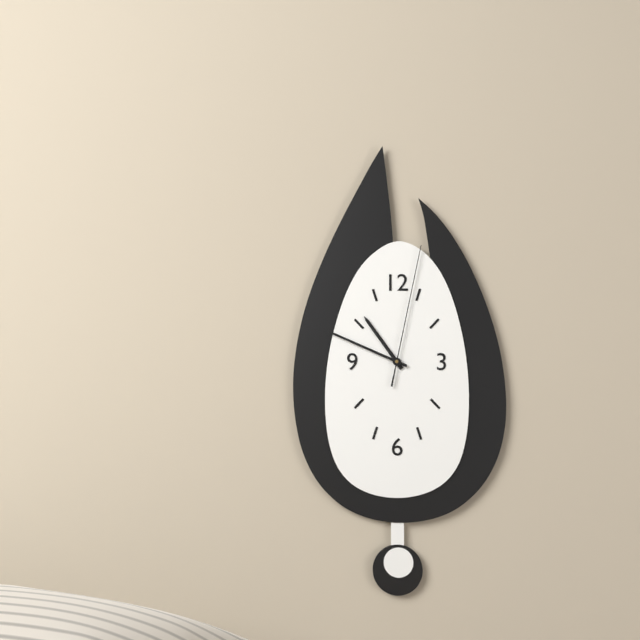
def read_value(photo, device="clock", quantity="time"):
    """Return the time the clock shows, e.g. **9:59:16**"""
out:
**10:49:02**
